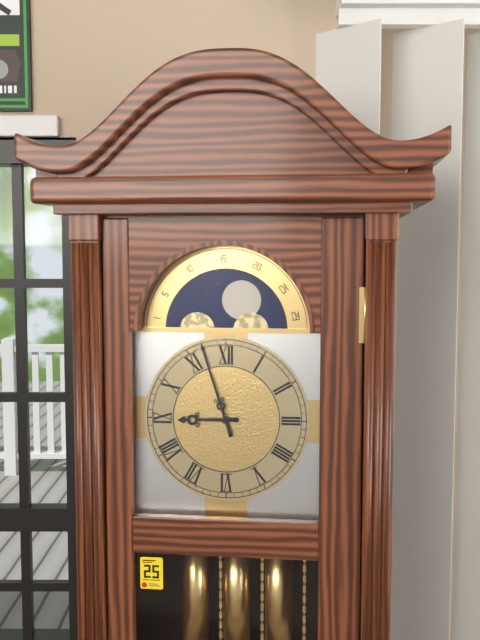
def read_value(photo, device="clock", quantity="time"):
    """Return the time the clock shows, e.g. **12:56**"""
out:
**8:57**
